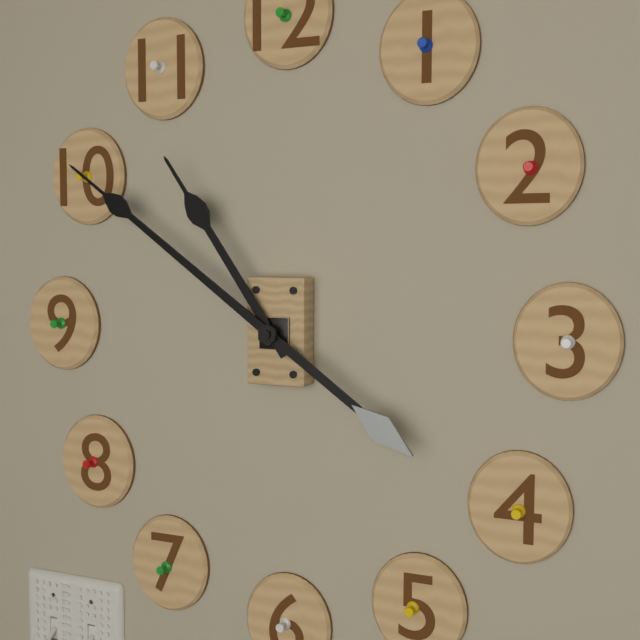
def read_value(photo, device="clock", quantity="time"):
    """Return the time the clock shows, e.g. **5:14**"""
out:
**10:51**
